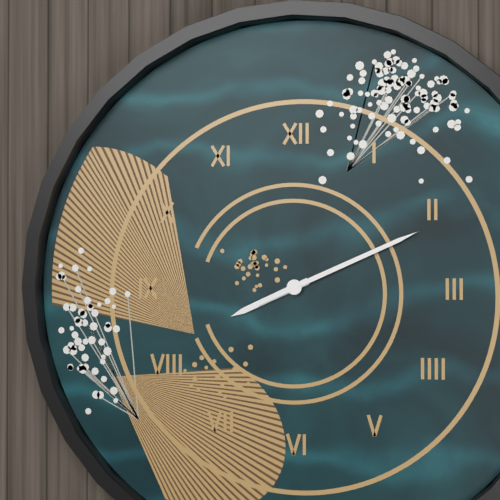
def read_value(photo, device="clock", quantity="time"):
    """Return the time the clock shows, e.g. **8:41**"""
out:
**8:11**
